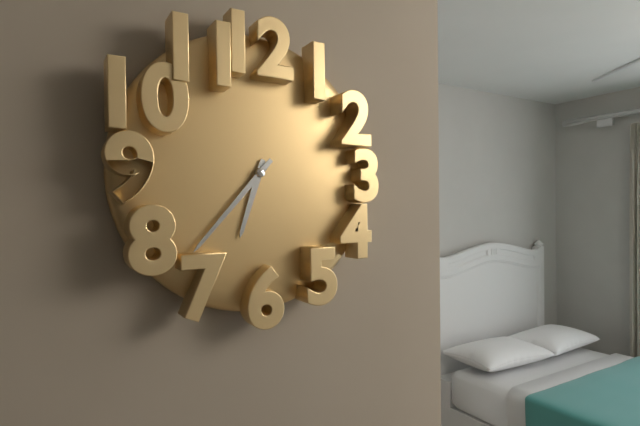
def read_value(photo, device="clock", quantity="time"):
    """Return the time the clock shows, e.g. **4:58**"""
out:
**6:37**
